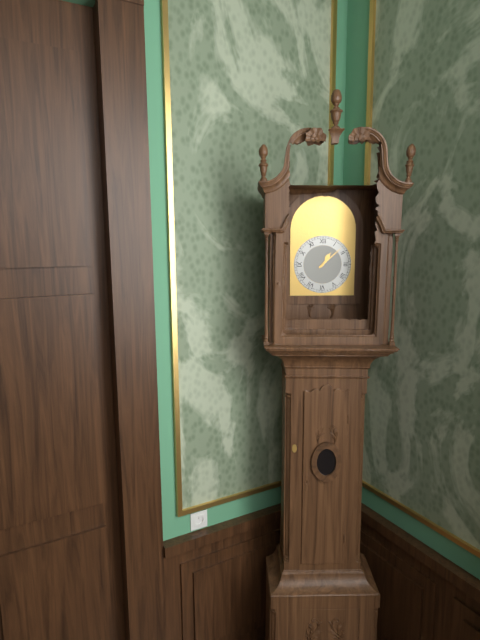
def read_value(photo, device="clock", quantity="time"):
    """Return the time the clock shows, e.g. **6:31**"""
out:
**1:08**
